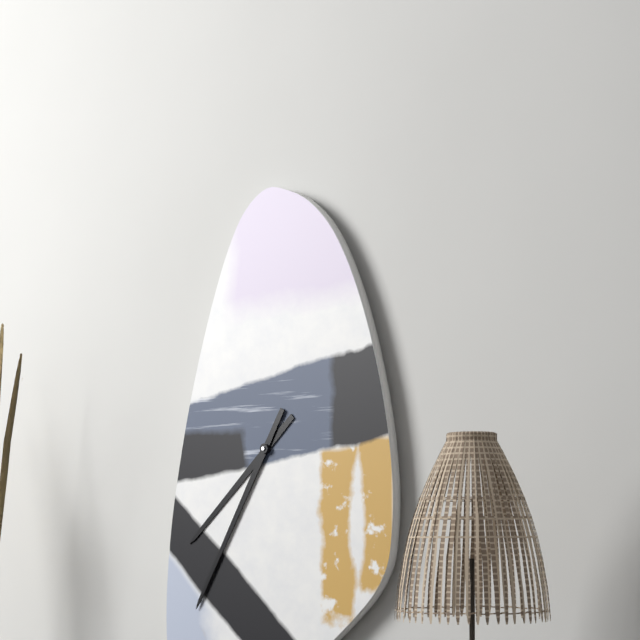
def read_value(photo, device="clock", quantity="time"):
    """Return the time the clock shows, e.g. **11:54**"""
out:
**7:35**
